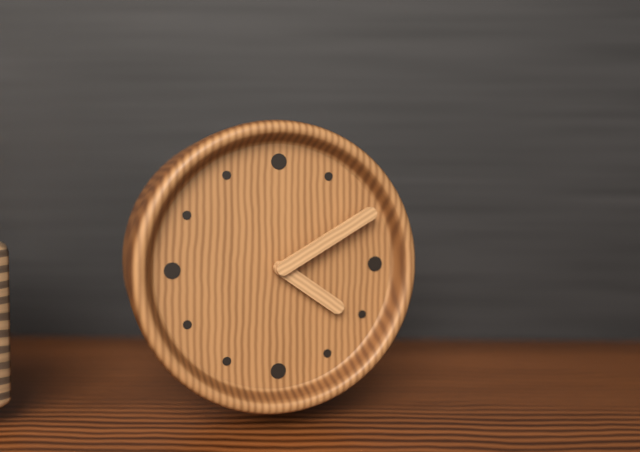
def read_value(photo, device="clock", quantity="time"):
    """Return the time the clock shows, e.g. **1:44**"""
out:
**4:10**
